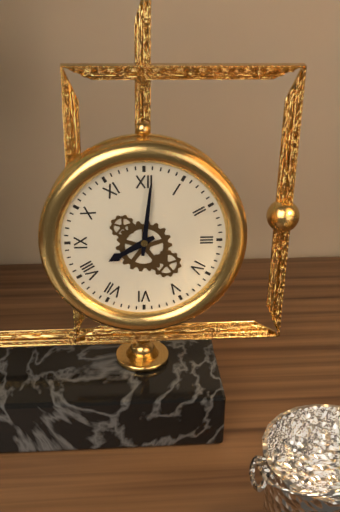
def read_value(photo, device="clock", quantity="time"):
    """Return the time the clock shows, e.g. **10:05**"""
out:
**8:01**
